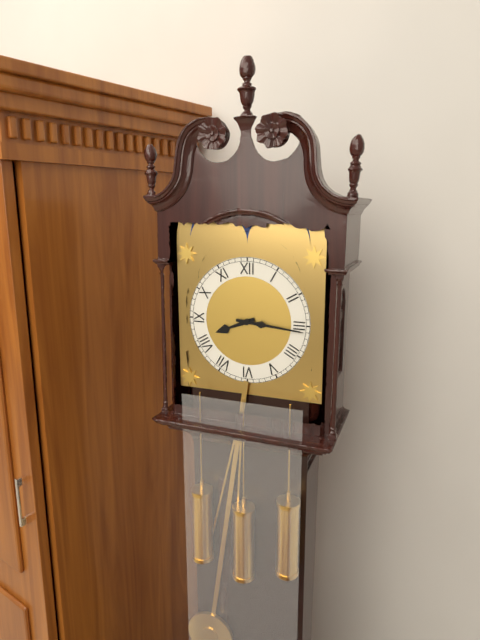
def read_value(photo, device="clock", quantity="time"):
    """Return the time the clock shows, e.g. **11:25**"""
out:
**8:16**
